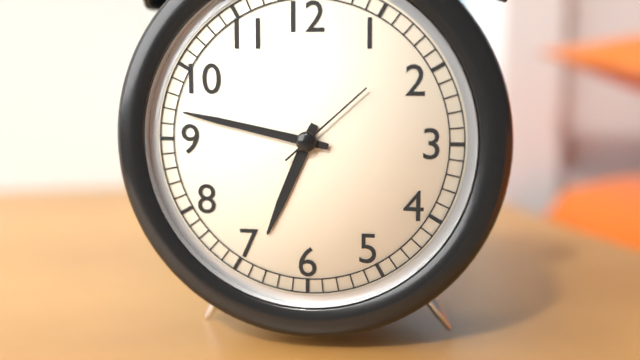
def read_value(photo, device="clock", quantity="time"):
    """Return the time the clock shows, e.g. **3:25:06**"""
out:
**6:47:08**
